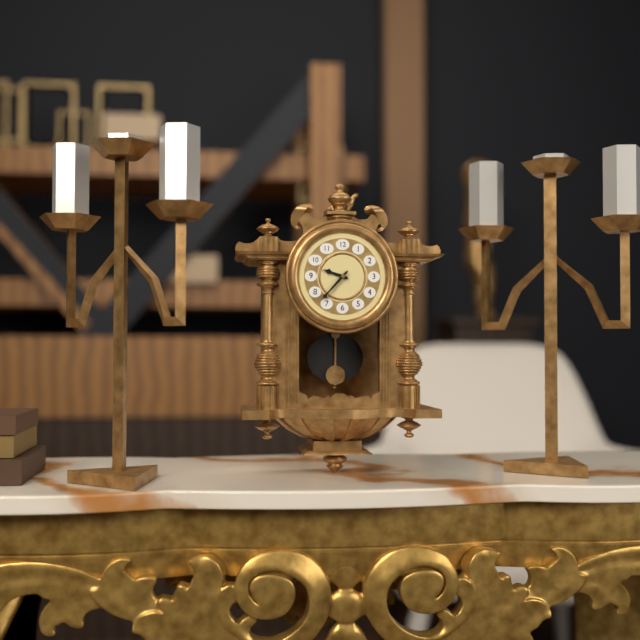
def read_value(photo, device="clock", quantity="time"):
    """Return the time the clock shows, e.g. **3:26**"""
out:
**9:37**
